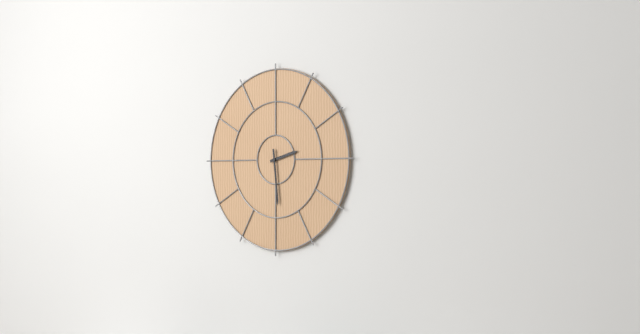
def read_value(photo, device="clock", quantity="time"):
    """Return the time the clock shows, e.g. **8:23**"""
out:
**2:29**
